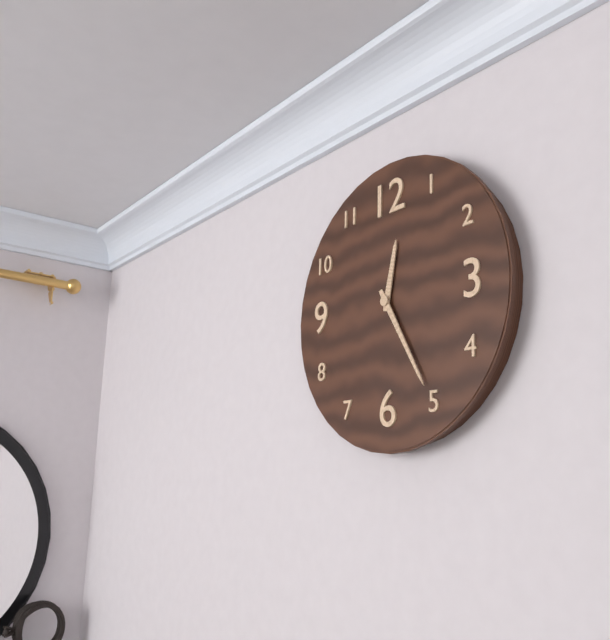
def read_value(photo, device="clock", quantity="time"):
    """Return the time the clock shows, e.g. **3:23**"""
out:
**12:25**
